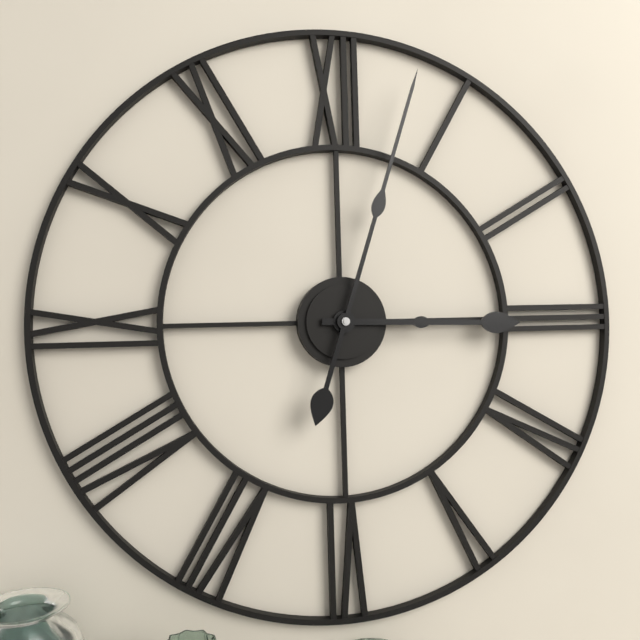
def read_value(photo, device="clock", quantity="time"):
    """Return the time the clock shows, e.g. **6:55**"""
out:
**3:03**
